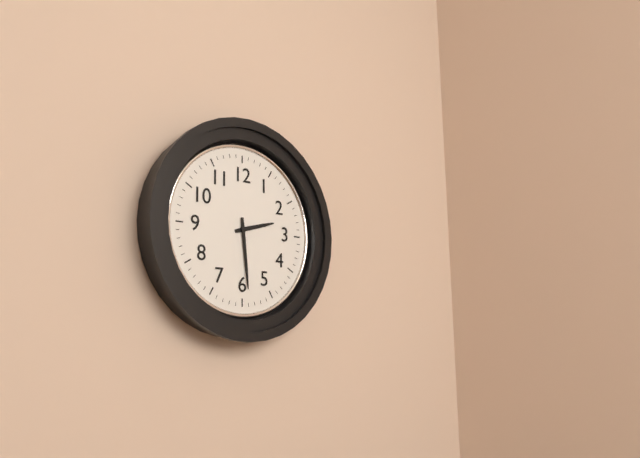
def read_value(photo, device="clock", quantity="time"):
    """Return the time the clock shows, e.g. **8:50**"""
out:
**2:29**
